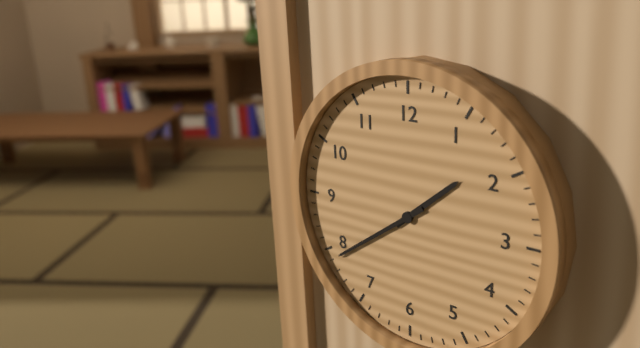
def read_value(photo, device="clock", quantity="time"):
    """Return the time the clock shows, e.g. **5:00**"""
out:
**1:39**
